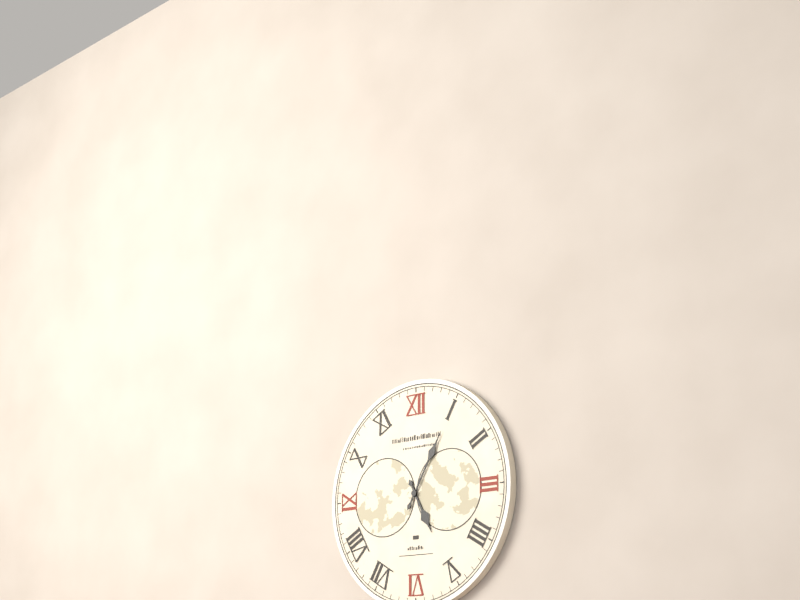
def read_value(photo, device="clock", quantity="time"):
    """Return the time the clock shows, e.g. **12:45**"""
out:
**5:05**
